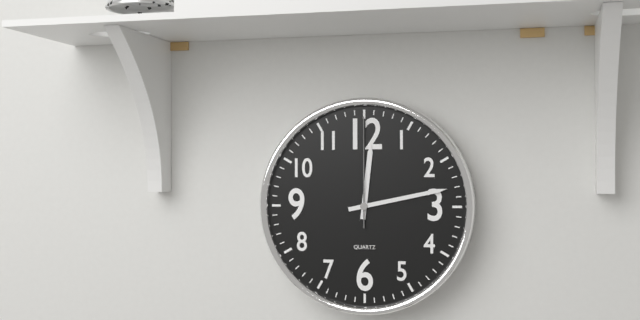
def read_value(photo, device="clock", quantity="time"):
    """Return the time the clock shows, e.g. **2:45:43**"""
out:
**12:13:00**
